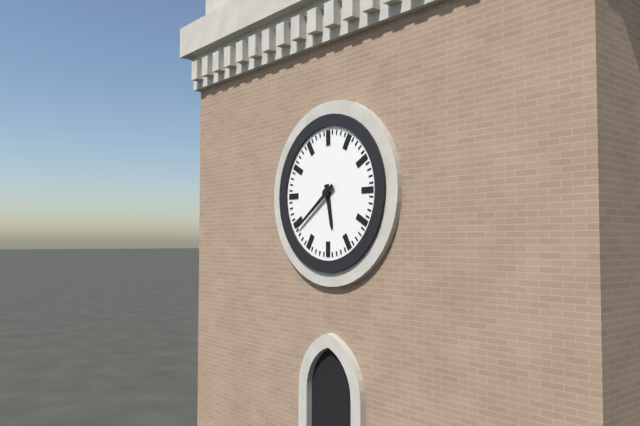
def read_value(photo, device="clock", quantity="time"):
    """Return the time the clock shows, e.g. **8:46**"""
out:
**5:39**
